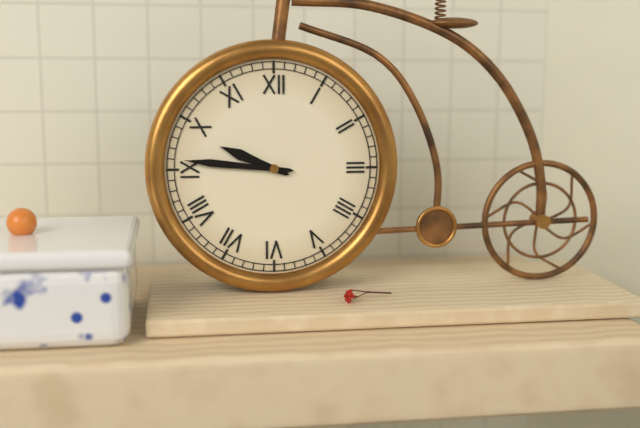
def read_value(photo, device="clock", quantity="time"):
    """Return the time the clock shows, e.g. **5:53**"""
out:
**9:46**
